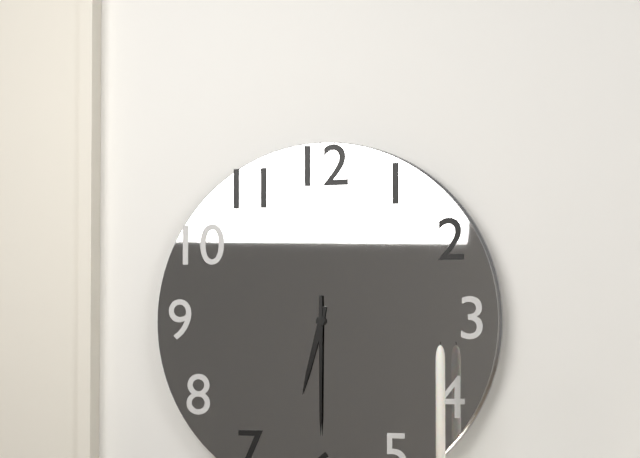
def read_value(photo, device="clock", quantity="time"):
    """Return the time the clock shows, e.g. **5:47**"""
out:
**6:30**
